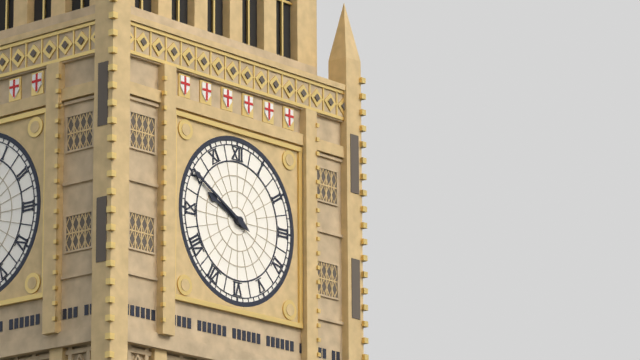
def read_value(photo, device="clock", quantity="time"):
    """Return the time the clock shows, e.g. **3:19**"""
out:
**9:50**
